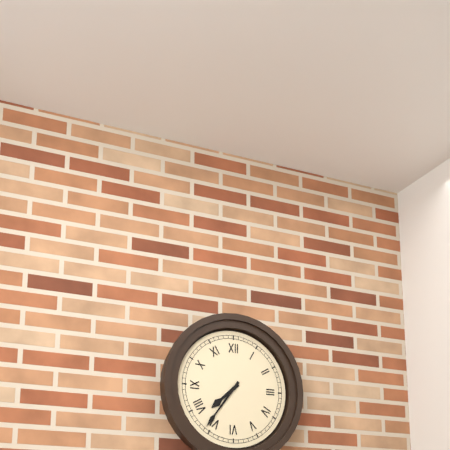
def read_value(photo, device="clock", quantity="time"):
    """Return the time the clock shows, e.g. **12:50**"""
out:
**7:36**
